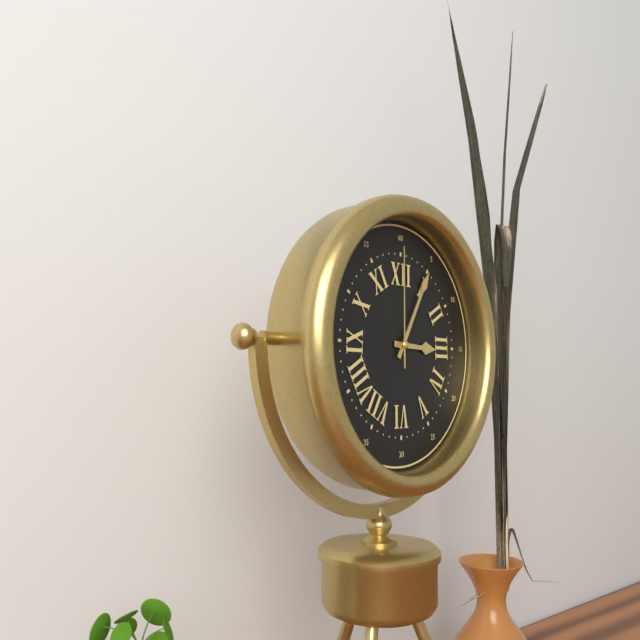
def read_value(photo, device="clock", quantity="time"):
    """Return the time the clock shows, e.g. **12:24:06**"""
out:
**3:05:00**
